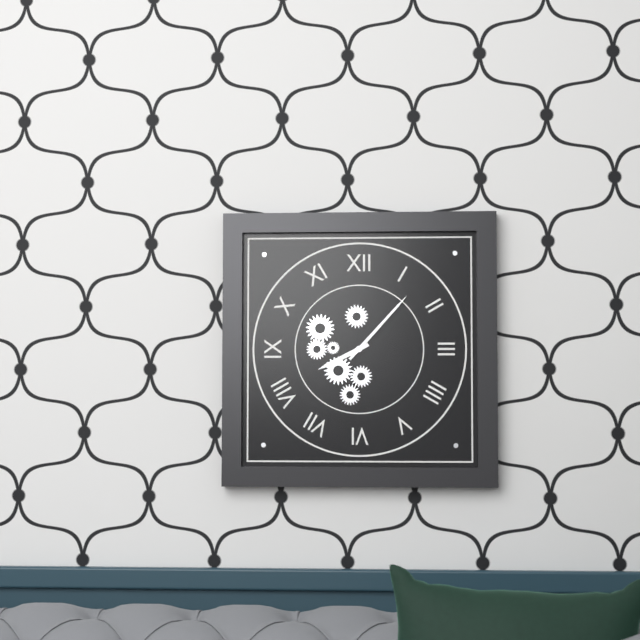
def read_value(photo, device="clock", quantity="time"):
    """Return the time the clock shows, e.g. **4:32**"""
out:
**8:07**
